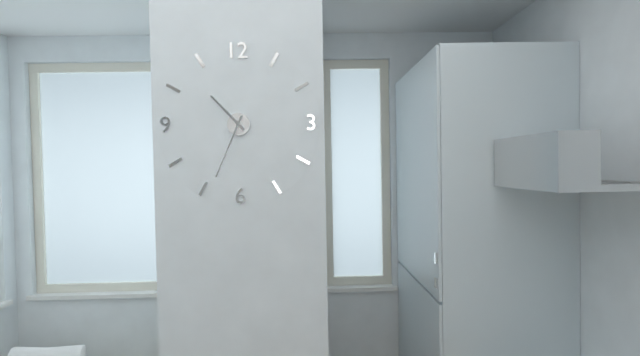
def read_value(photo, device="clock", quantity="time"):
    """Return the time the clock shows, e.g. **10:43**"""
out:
**10:34**
